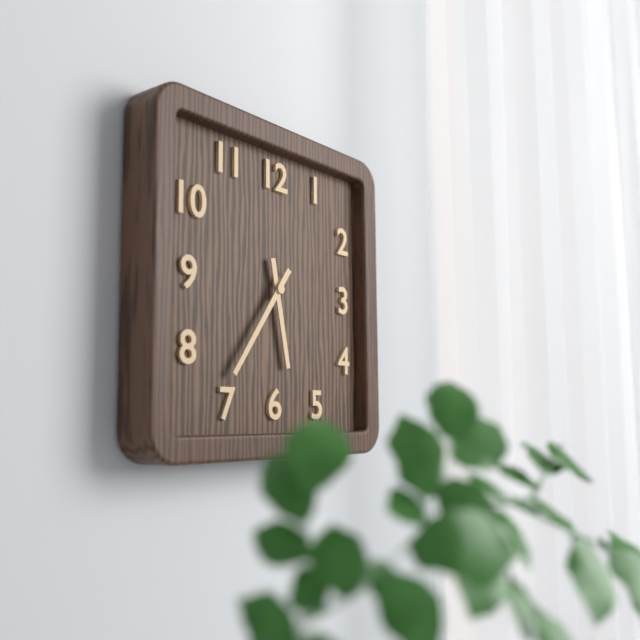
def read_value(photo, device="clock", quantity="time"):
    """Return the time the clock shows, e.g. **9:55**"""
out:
**5:36**
